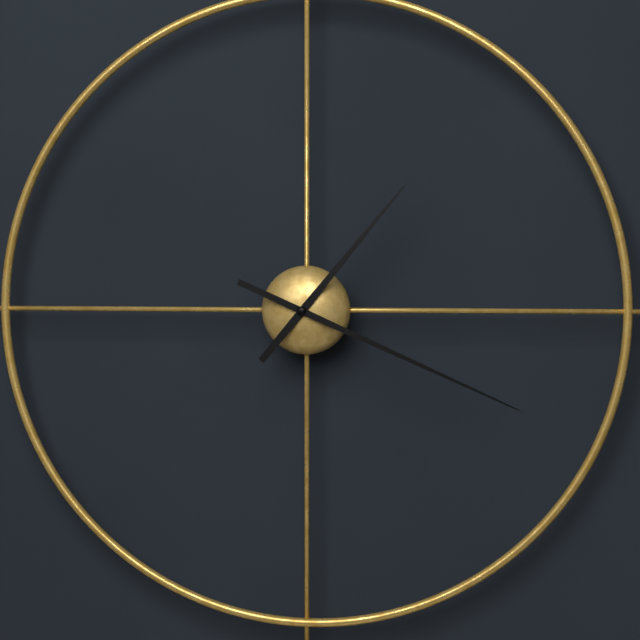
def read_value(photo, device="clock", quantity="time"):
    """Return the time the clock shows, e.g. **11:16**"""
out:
**1:19**
